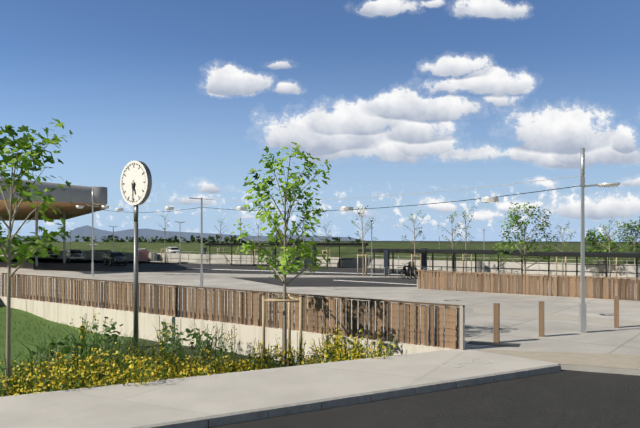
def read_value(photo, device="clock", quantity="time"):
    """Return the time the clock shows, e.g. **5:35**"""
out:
**5:31**
